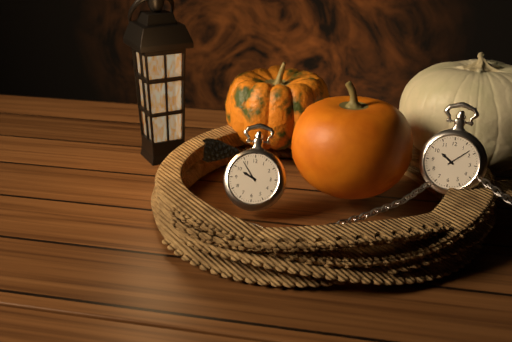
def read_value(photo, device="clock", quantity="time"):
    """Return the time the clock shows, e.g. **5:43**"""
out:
**9:54**
